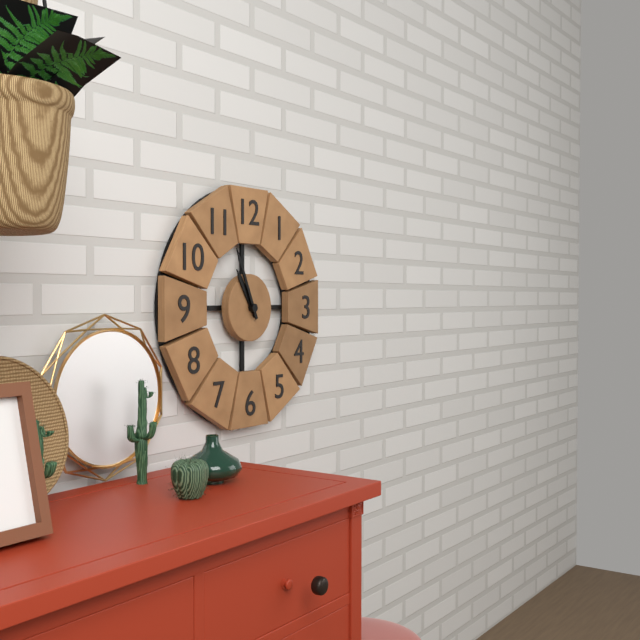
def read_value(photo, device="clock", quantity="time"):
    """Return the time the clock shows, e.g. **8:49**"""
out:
**10:56**
